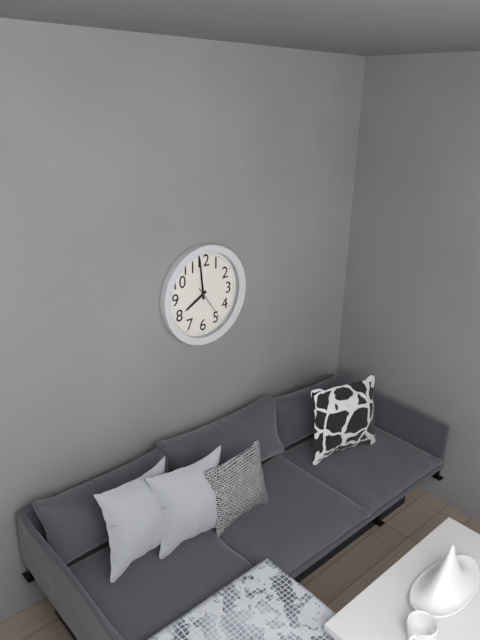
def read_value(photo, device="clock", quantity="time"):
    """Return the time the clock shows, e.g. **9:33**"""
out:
**7:59**
